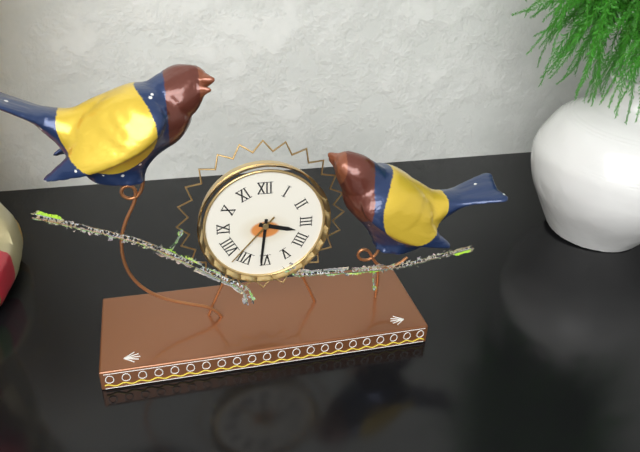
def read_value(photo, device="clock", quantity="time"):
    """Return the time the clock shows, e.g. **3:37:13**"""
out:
**3:31:37**
